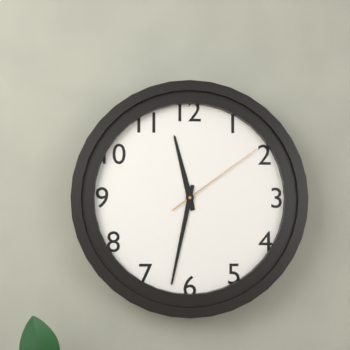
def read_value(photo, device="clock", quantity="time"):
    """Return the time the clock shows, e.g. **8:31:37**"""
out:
**11:32:09**
